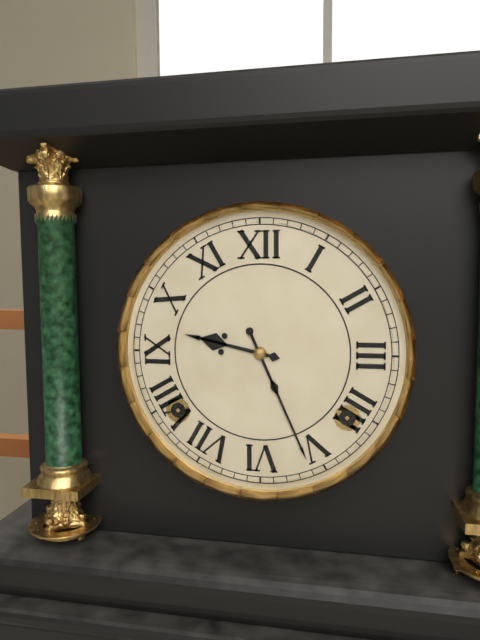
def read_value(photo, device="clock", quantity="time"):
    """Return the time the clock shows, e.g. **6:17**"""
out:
**9:26**
